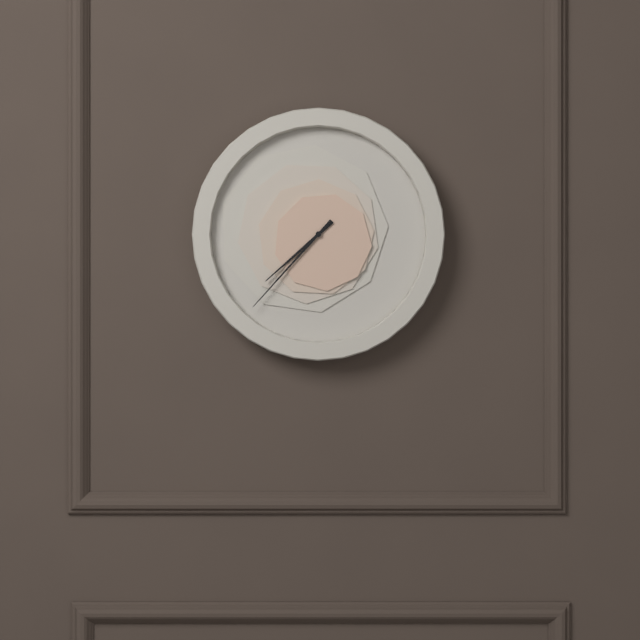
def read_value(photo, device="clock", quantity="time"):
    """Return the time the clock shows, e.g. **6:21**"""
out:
**7:37**
